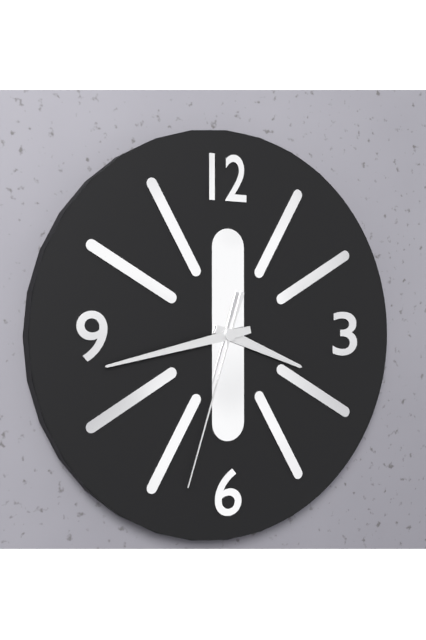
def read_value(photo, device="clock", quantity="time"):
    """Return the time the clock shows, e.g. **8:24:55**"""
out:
**3:43:33**
